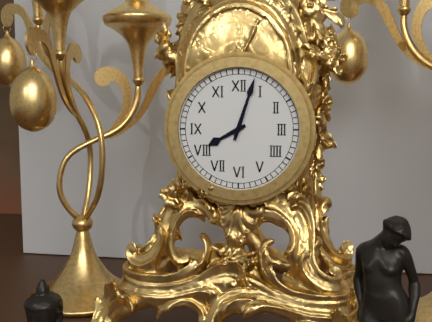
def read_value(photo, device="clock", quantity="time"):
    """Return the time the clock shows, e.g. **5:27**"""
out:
**8:03**
